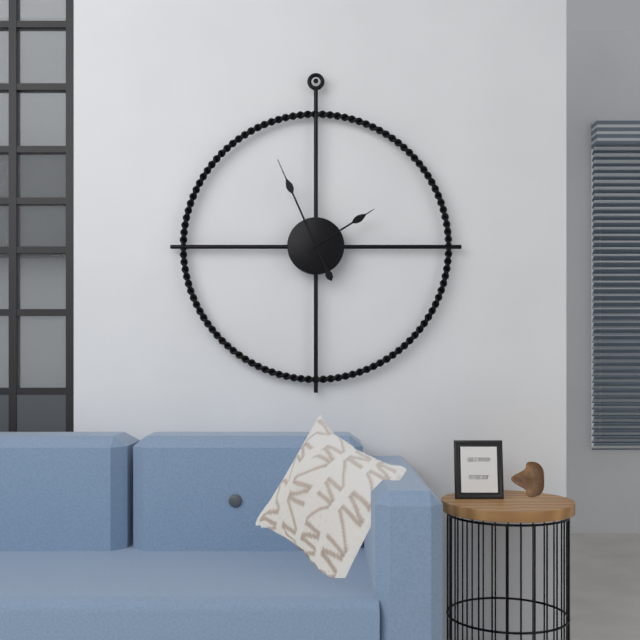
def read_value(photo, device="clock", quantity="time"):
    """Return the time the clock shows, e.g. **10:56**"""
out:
**1:56**
